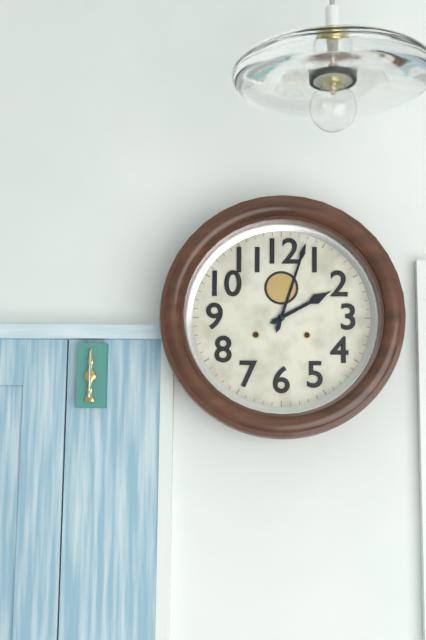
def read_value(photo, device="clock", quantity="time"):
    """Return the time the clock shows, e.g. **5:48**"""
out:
**2:03**
